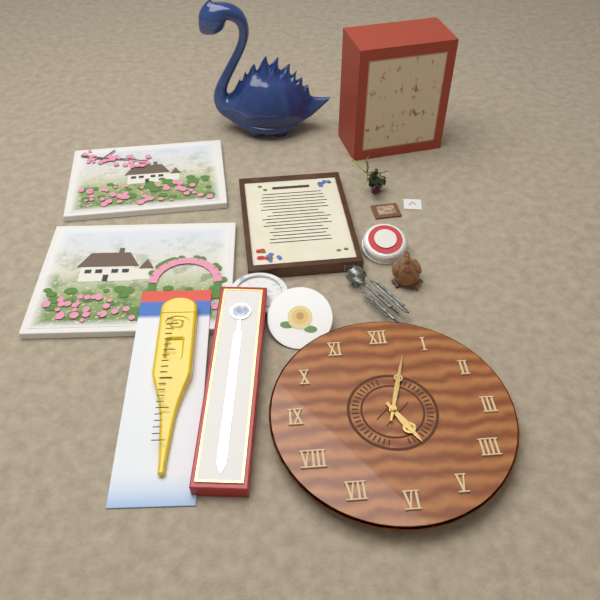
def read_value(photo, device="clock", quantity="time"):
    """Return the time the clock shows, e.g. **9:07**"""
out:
**5:03**
